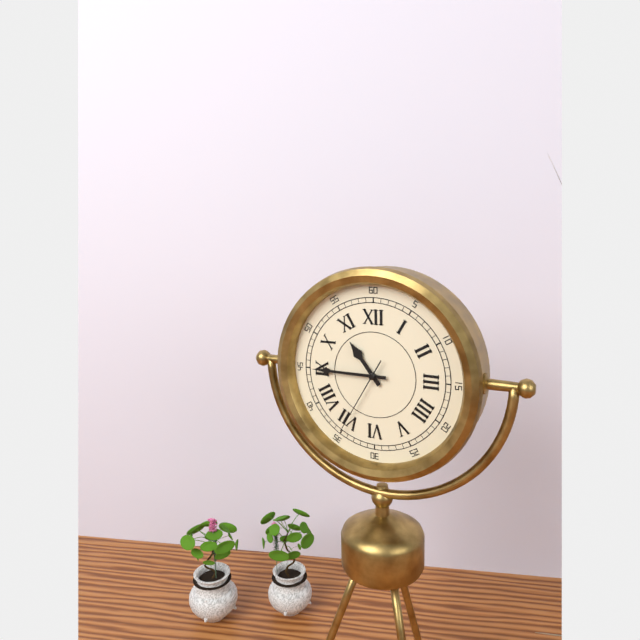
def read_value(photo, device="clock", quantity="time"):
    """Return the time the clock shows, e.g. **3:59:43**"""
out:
**10:45:35**
